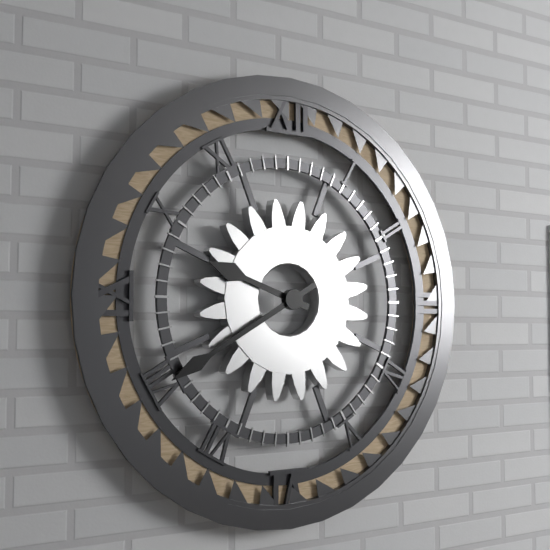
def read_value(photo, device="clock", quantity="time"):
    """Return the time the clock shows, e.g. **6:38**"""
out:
**9:40**
